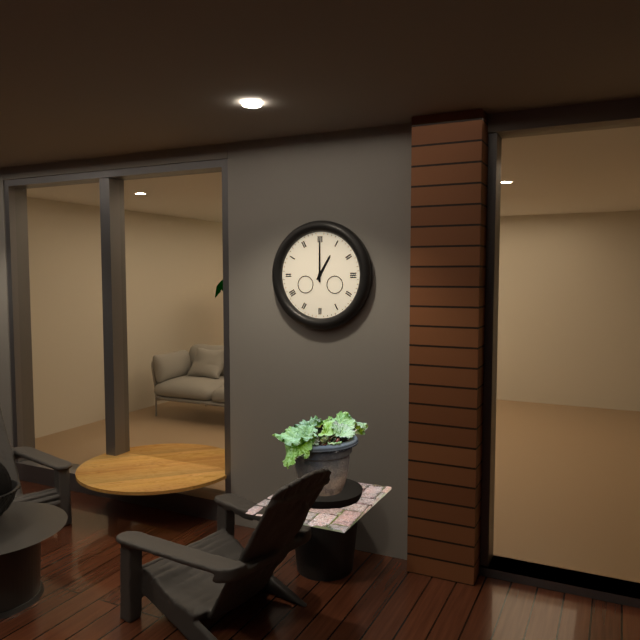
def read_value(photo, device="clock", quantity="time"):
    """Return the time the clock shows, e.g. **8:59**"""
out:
**1:00**
